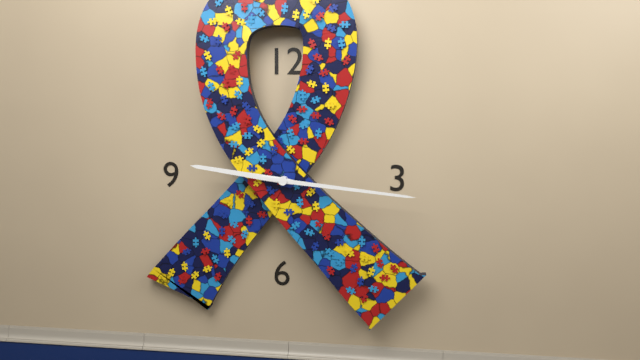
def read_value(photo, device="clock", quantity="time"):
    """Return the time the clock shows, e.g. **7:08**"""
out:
**9:16**
